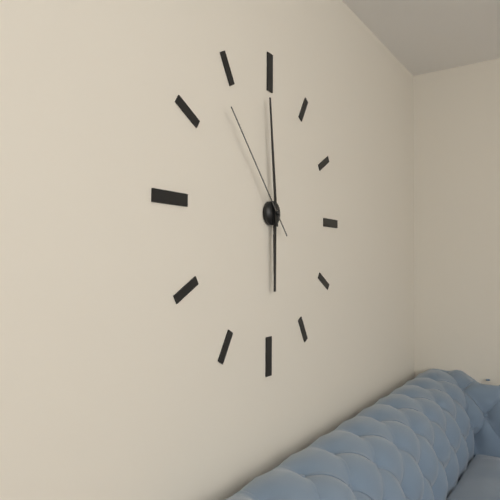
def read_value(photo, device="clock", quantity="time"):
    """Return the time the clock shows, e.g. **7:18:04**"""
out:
**5:59:53**
